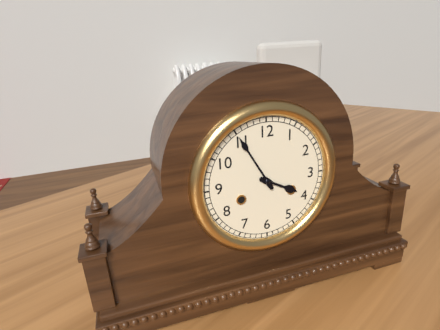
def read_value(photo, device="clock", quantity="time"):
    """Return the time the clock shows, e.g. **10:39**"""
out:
**3:55**
